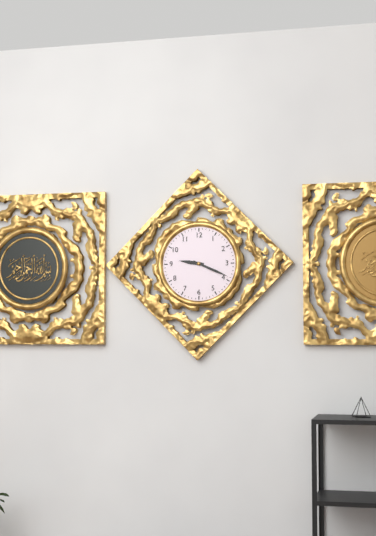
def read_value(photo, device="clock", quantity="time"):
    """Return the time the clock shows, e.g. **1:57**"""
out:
**9:19**
